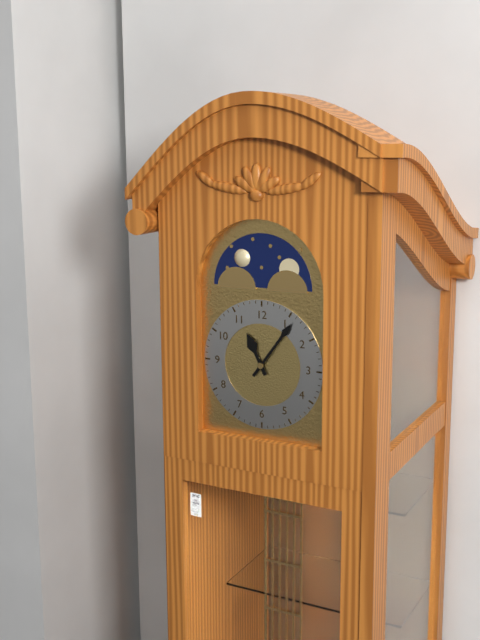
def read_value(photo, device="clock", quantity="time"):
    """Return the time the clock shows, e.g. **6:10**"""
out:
**11:06**
